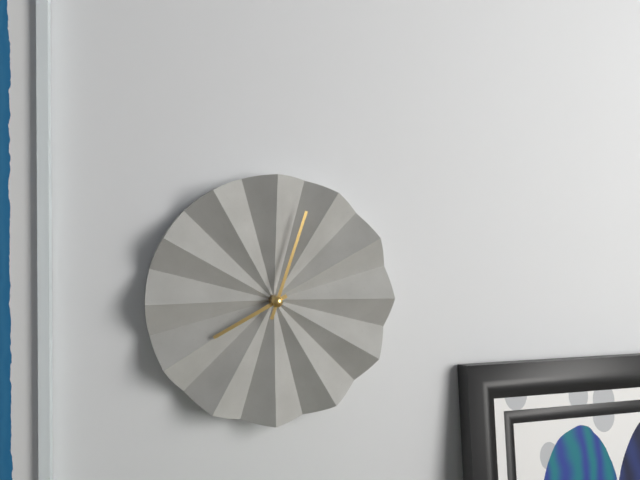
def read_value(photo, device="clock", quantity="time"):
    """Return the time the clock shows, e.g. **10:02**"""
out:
**8:03**
